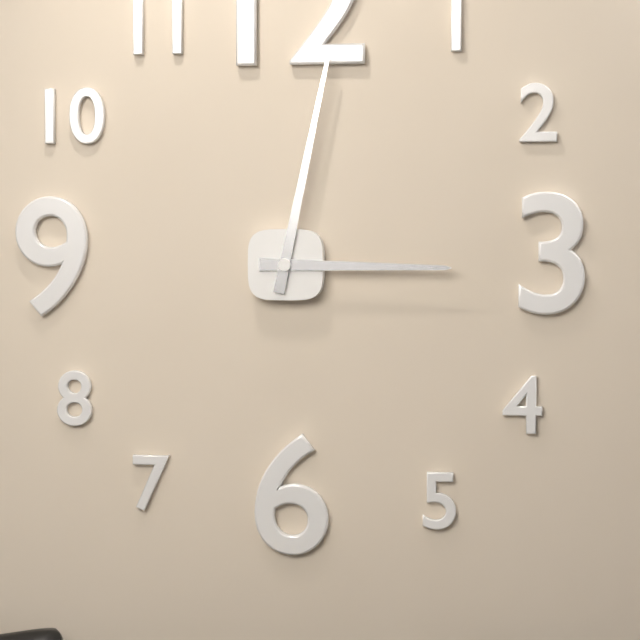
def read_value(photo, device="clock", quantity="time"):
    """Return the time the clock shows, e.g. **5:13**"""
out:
**3:02**
